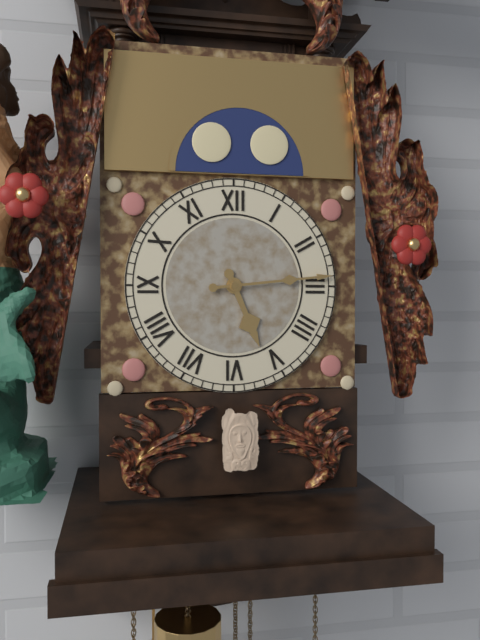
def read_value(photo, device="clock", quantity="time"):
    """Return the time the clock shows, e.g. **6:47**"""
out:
**5:14**
